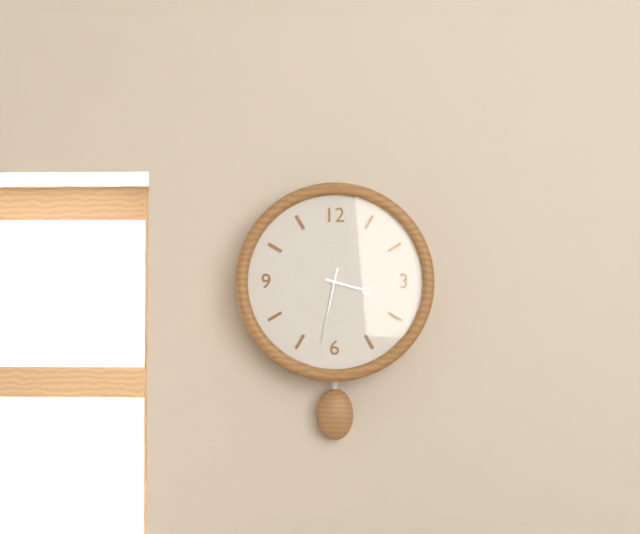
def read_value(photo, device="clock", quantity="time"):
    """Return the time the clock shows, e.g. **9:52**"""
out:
**3:32**
